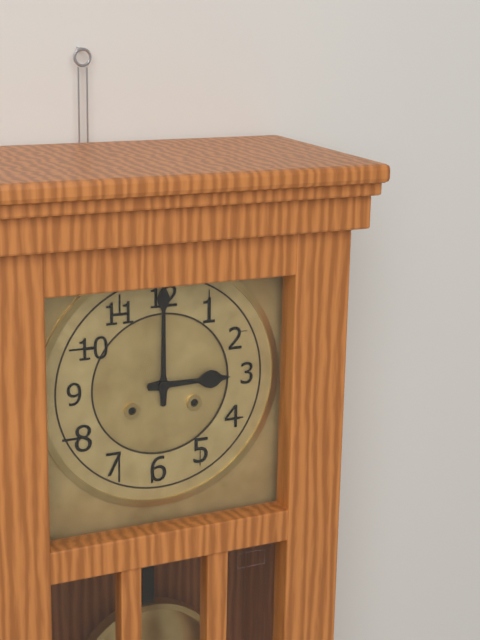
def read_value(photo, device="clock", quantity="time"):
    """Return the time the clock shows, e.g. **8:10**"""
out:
**3:00**
